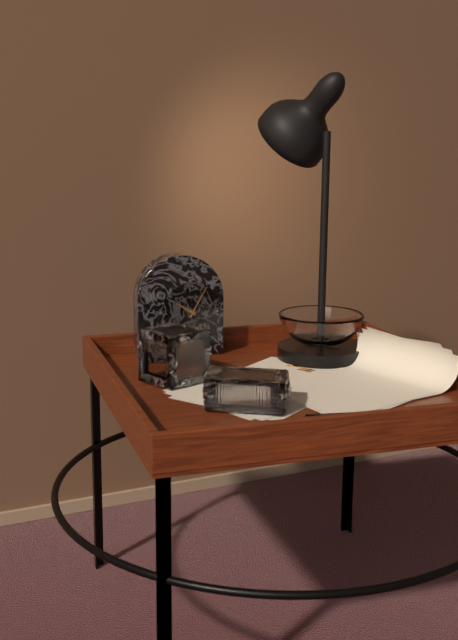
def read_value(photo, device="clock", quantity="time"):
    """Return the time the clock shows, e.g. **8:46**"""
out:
**10:05**
